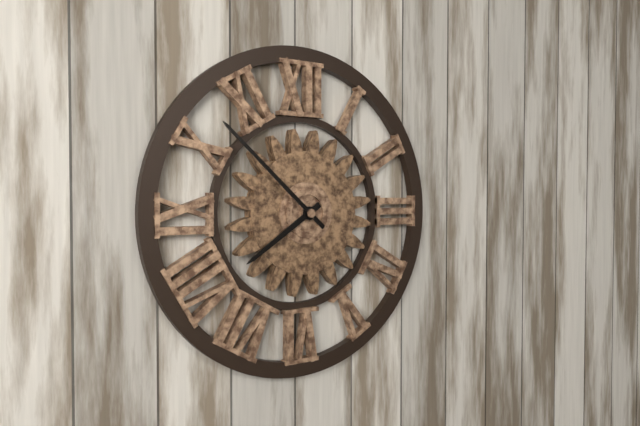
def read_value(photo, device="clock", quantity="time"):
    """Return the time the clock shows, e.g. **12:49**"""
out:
**7:52**
